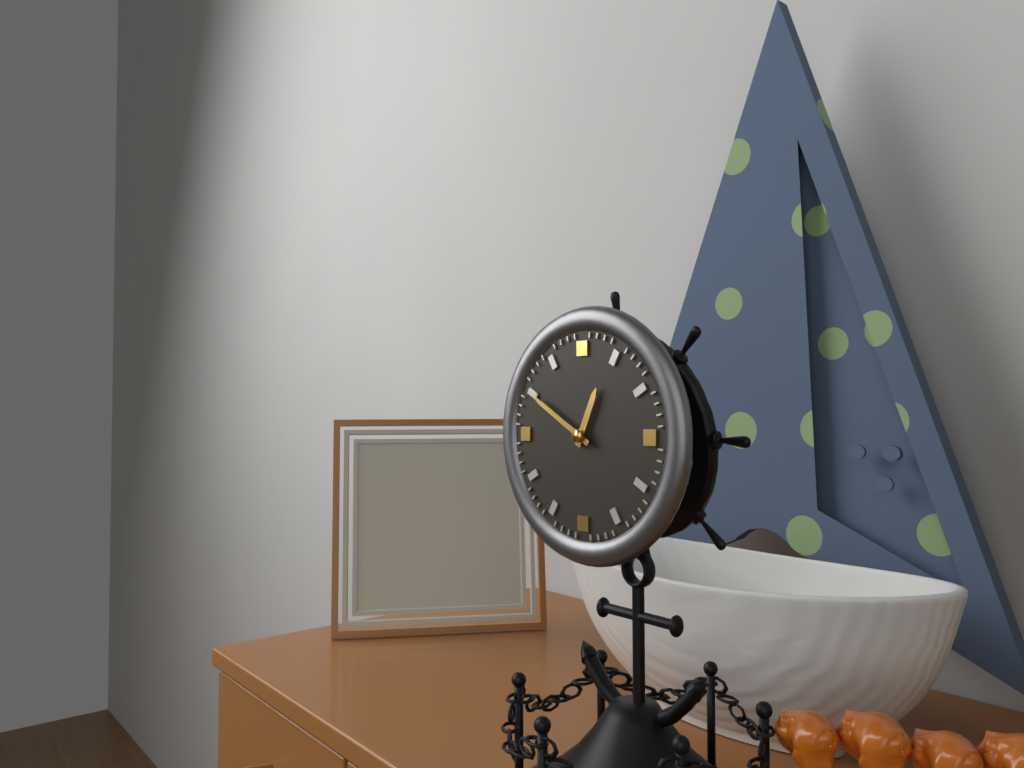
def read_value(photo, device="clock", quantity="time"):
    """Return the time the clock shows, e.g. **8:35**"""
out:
**12:50**
